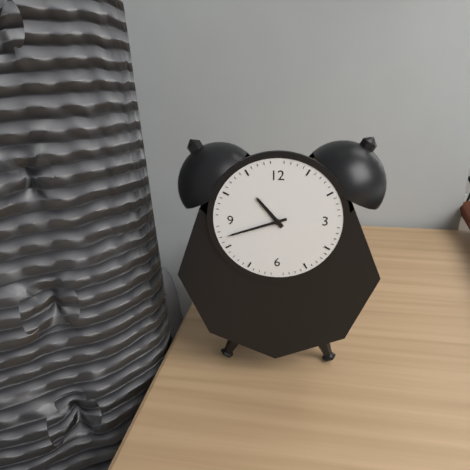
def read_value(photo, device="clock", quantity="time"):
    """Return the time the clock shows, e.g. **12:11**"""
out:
**10:42**
